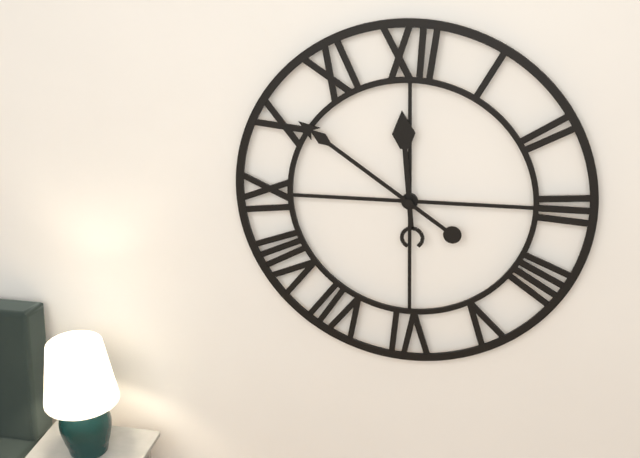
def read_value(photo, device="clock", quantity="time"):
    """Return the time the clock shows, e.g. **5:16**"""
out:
**11:51**
